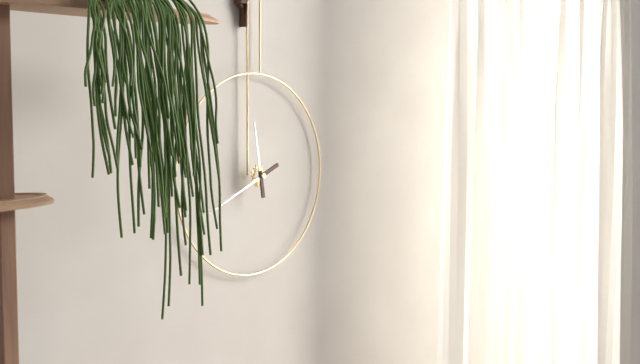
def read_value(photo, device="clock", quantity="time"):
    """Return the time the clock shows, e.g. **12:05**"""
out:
**11:41**
